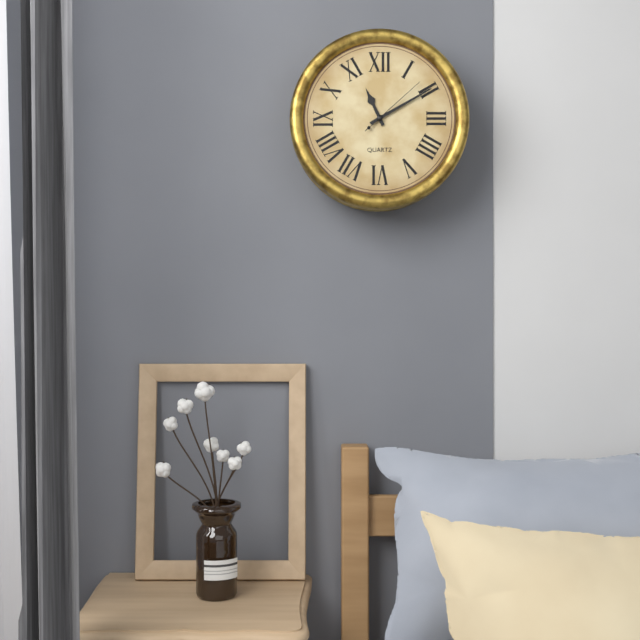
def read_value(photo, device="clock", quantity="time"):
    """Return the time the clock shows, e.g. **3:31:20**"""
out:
**11:10:08**
